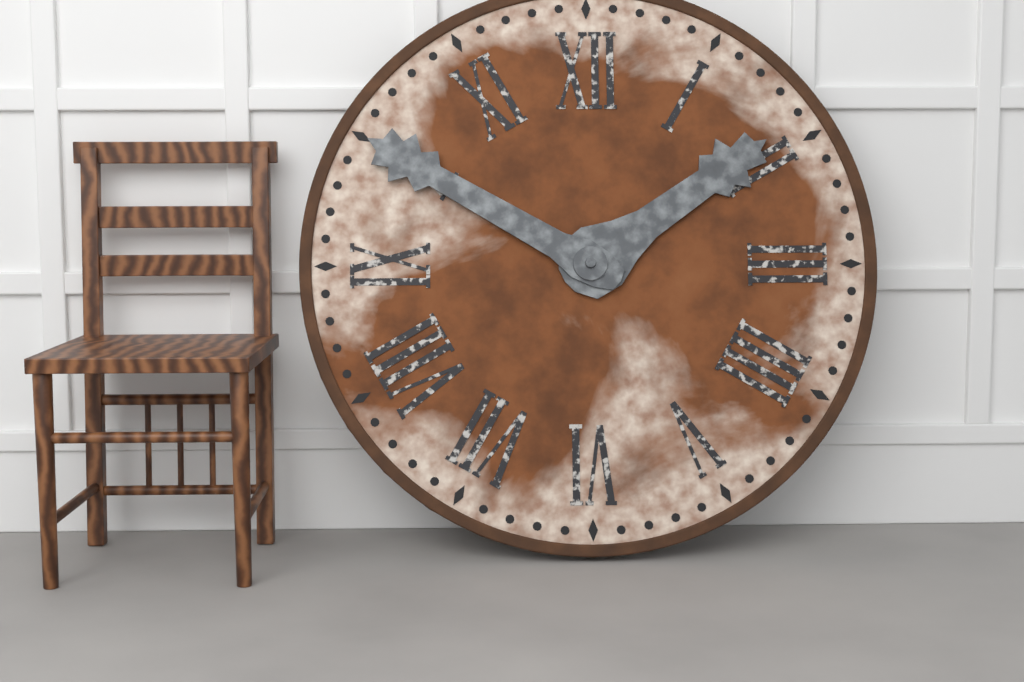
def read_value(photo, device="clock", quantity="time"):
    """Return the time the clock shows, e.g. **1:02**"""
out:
**1:50**
